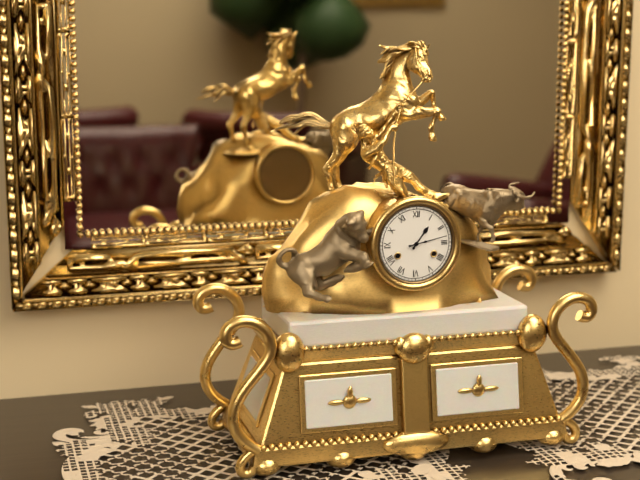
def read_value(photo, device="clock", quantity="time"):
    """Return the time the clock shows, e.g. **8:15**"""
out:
**1:13**
